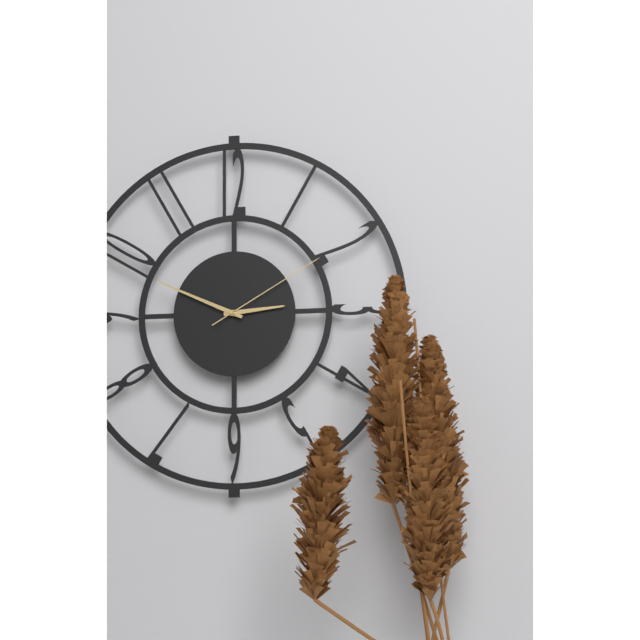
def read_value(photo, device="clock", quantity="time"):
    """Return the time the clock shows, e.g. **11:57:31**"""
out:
**2:49:10**
